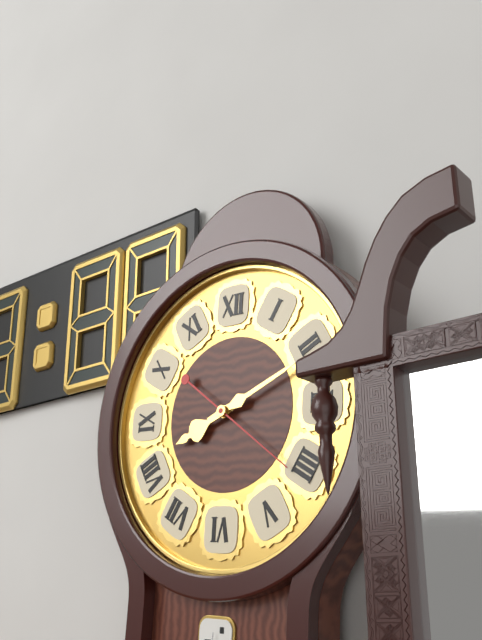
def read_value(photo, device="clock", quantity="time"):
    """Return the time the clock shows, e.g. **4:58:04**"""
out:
**8:11:21**
